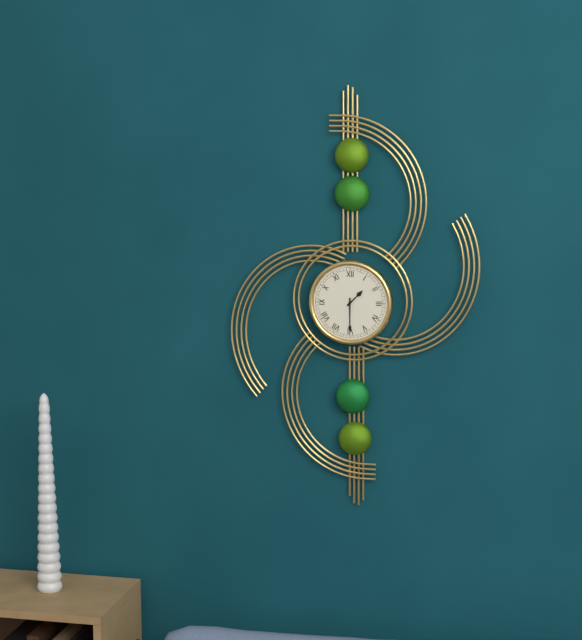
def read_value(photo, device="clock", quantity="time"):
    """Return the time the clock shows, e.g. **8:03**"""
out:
**1:30**
